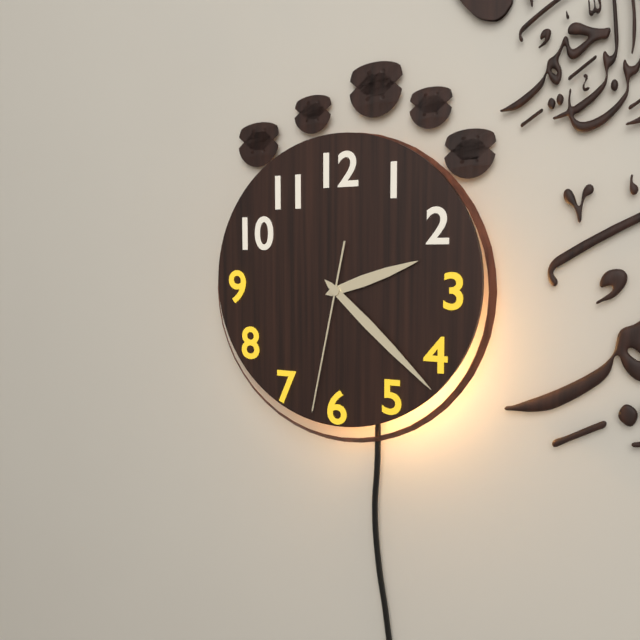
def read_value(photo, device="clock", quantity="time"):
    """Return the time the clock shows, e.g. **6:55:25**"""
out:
**2:22:32**
